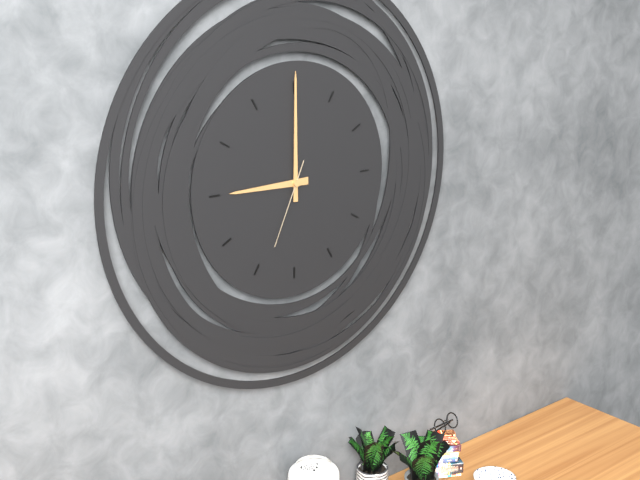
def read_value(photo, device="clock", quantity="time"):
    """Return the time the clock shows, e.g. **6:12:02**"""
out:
**9:00:34**
